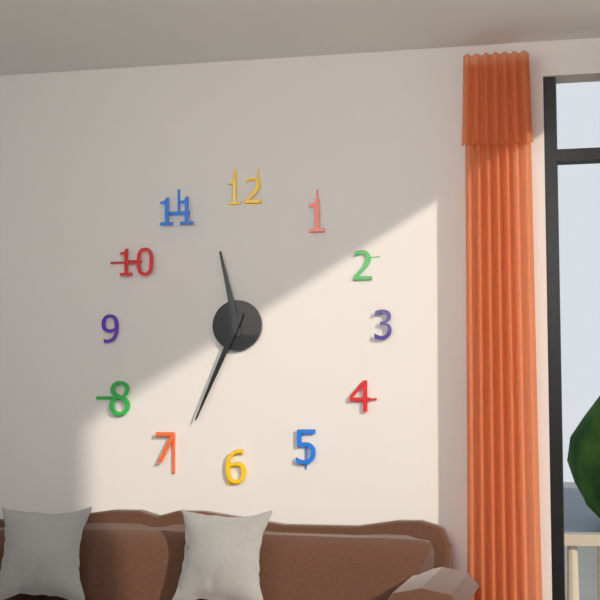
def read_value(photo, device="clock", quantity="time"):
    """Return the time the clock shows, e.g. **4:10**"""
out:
**11:34**
